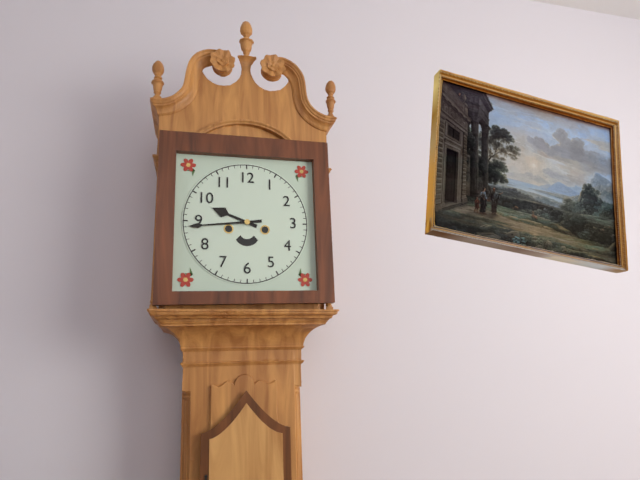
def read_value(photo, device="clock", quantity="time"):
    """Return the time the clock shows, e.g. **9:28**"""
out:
**9:44**
